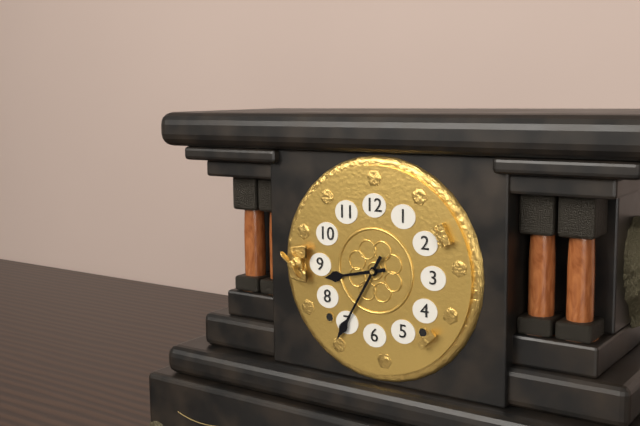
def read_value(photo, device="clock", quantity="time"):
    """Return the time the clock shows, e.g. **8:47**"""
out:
**8:35**
